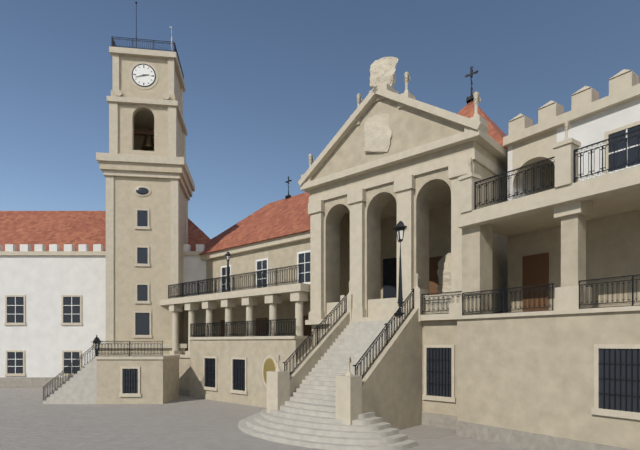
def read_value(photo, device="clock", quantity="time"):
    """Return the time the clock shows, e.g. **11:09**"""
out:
**2:42**
